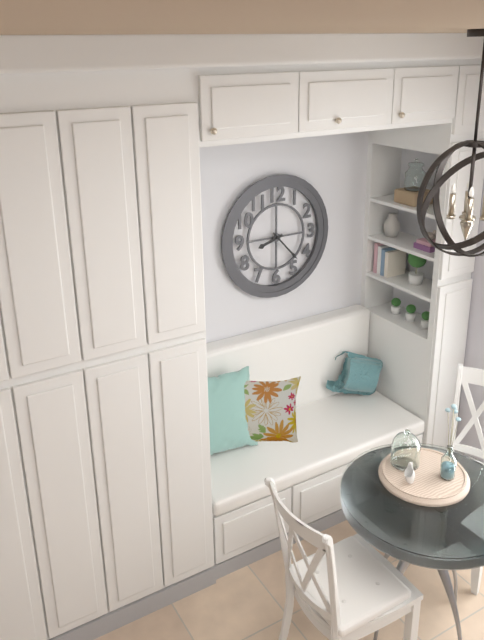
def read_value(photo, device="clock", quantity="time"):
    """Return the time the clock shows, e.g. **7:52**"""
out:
**8:23**
